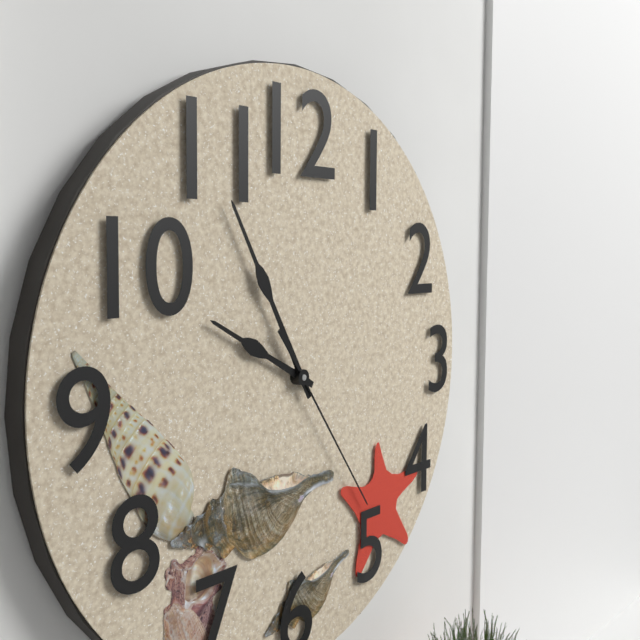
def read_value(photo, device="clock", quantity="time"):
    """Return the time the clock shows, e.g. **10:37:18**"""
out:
**9:55:24**
